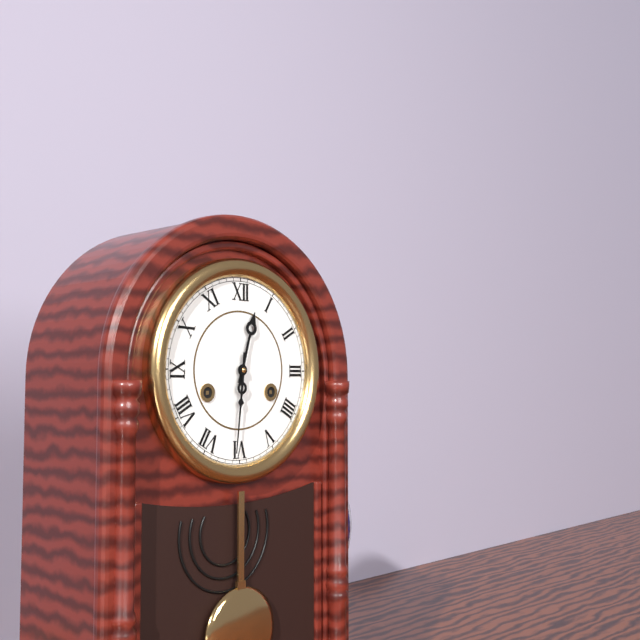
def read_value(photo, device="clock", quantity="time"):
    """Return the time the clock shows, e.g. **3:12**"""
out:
**12:31**
